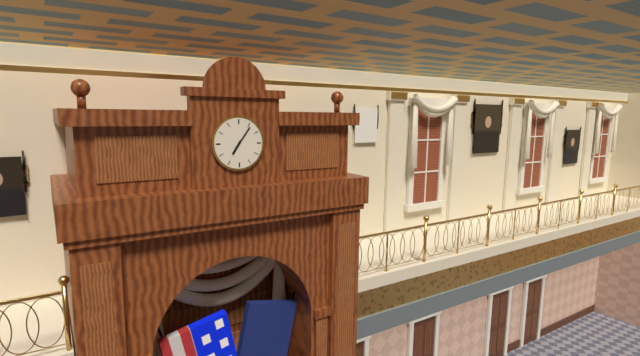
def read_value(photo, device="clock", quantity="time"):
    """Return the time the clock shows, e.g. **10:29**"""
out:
**7:06**
